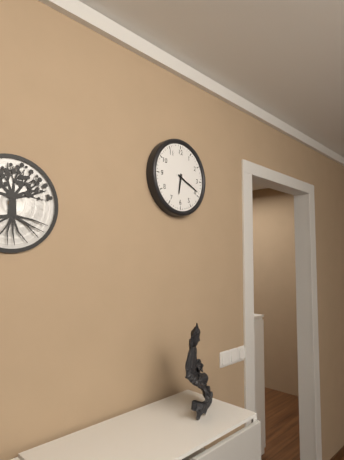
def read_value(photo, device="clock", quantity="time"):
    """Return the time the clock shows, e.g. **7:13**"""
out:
**6:19**
